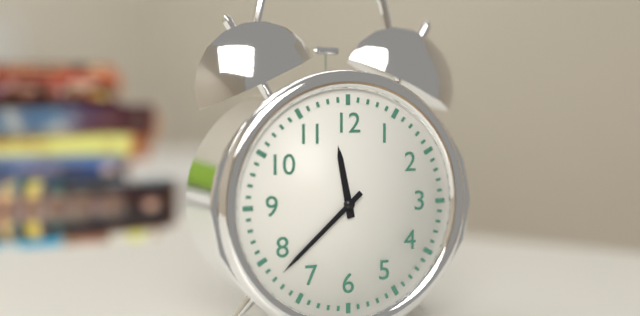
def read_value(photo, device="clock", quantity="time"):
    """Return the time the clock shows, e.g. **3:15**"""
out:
**11:38**
